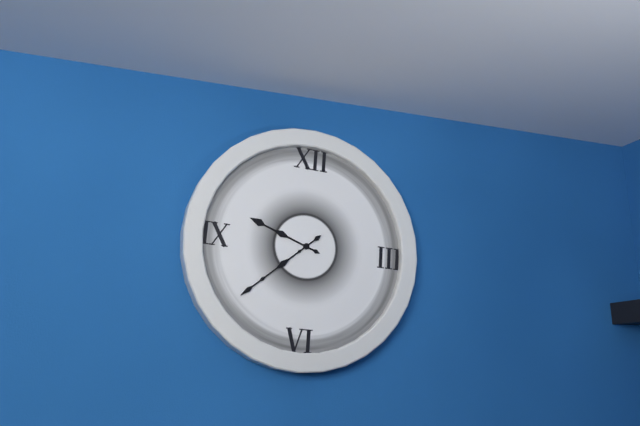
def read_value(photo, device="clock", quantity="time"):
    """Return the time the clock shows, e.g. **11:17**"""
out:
**9:38**
